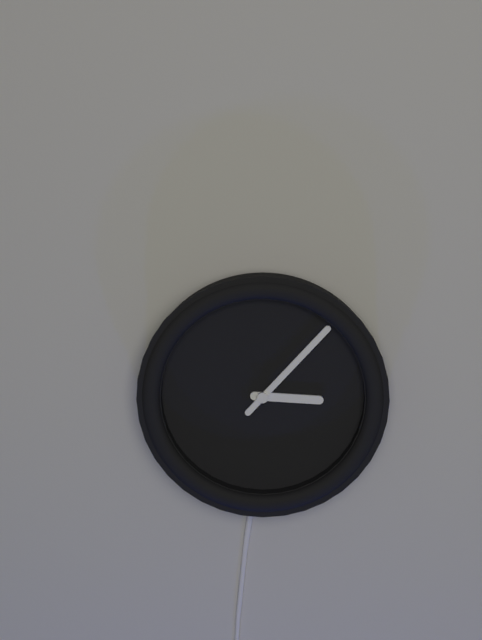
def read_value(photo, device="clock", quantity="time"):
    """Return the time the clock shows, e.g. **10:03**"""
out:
**3:07**
